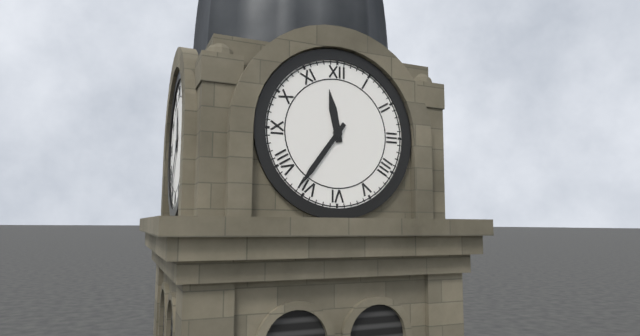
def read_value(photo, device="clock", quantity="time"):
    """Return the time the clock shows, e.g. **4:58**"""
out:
**11:36**
